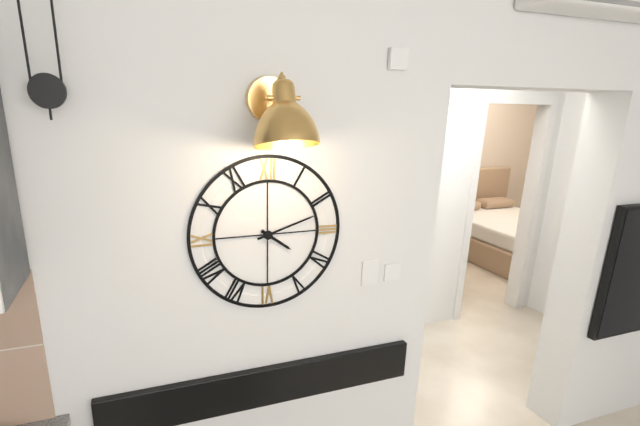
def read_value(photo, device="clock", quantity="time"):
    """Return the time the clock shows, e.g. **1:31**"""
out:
**4:12**
